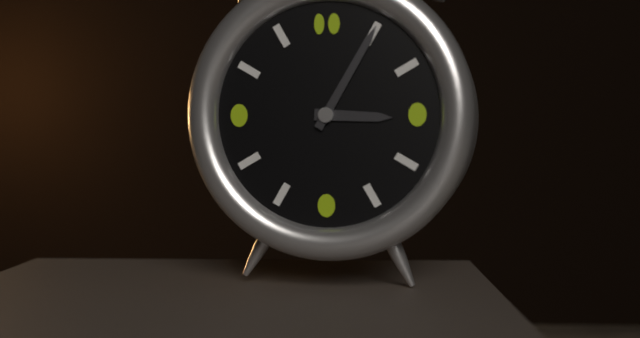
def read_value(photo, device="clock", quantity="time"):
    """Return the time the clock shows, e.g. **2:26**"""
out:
**3:05**
